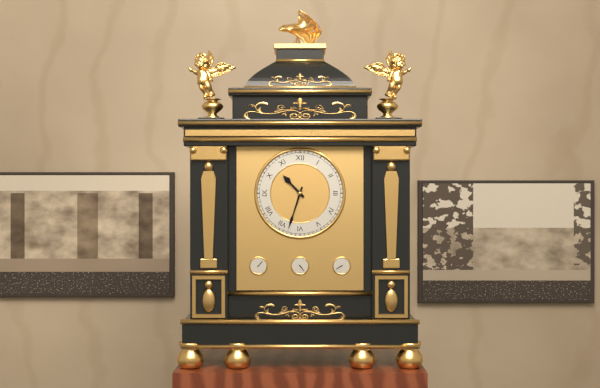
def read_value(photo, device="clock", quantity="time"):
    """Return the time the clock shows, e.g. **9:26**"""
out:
**10:33**
